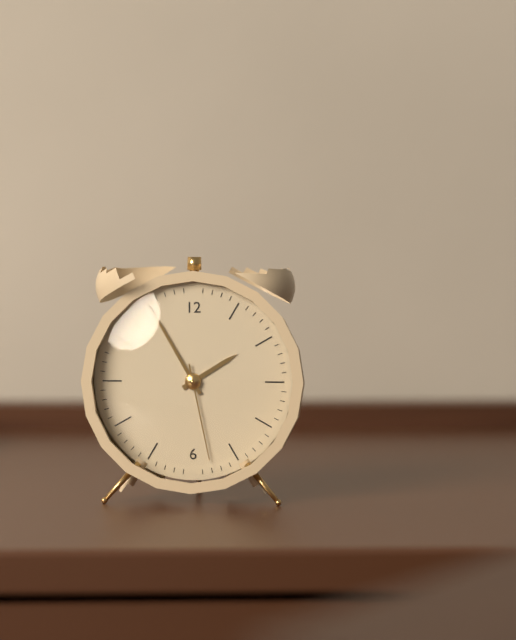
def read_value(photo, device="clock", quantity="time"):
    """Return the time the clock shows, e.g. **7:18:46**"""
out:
**1:55:28**
